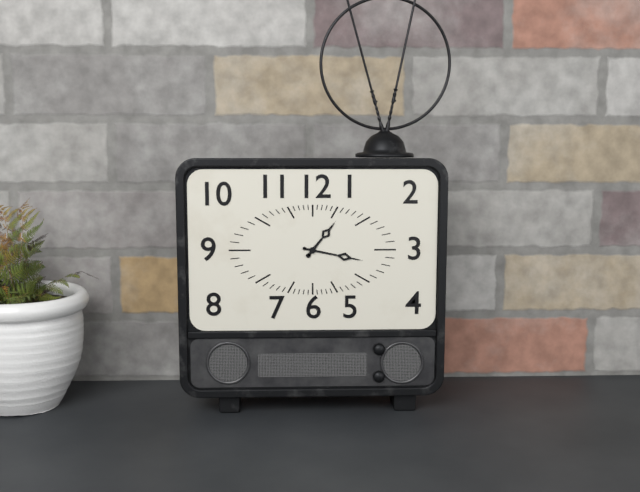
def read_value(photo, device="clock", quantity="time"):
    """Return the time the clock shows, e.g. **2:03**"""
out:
**1:17**
